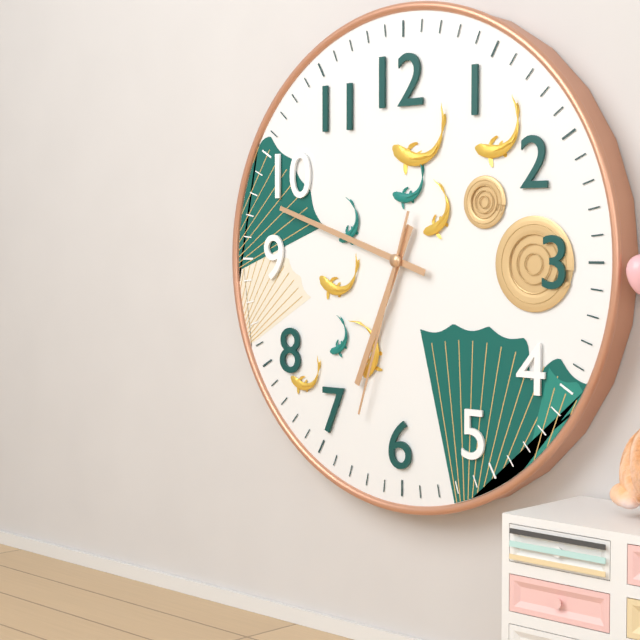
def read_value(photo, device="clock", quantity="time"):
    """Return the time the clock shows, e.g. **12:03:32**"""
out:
**6:48:33**
